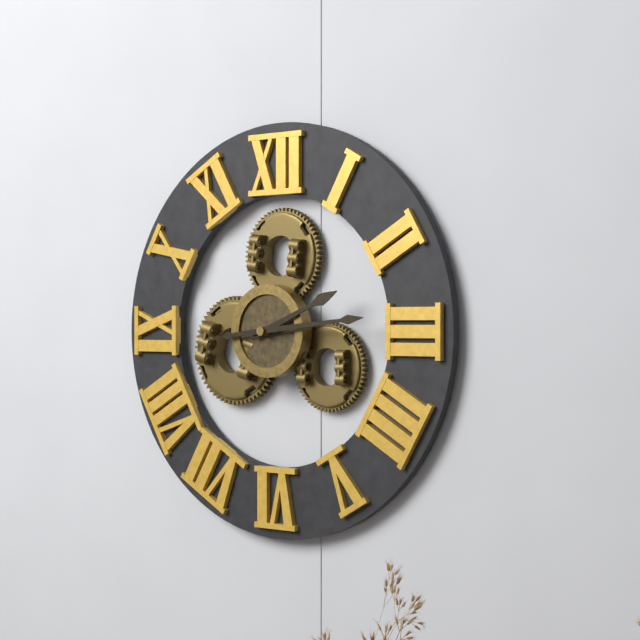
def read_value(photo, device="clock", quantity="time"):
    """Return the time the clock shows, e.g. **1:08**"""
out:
**2:14**
